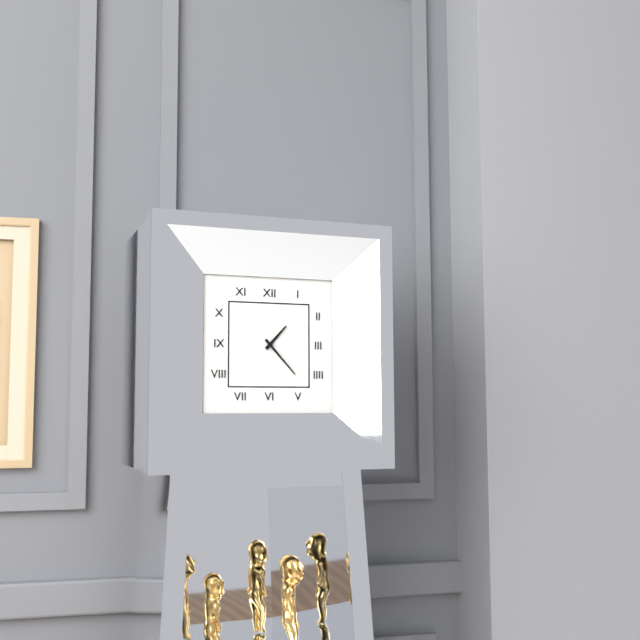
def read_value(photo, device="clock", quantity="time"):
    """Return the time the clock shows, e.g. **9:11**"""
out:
**1:23**
